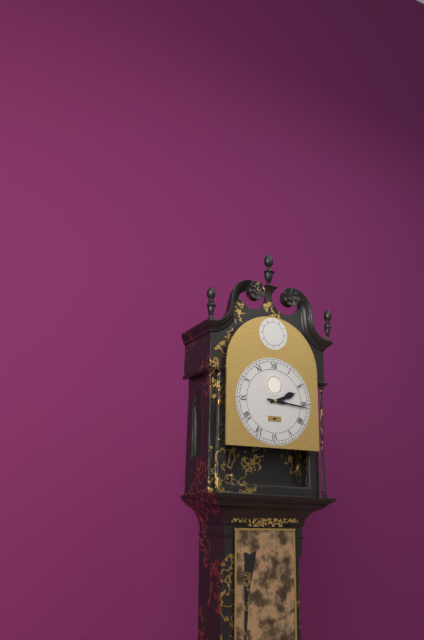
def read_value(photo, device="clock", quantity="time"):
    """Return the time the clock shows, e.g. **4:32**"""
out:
**2:16**
